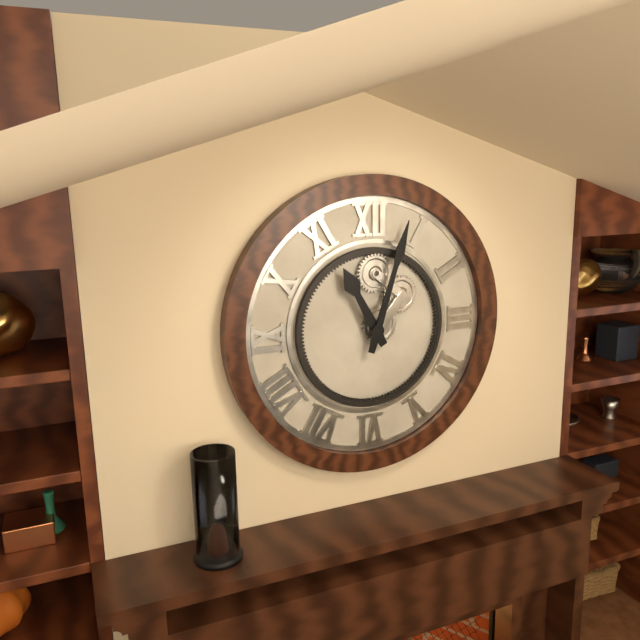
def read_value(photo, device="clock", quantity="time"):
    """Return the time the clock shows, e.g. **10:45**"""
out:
**11:03**
